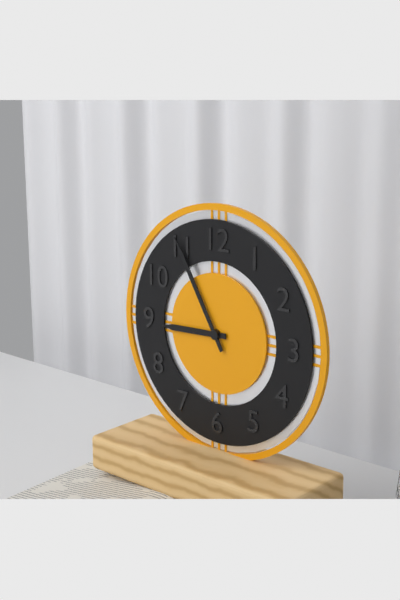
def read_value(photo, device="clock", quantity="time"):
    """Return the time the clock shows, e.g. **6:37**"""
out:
**8:55**
